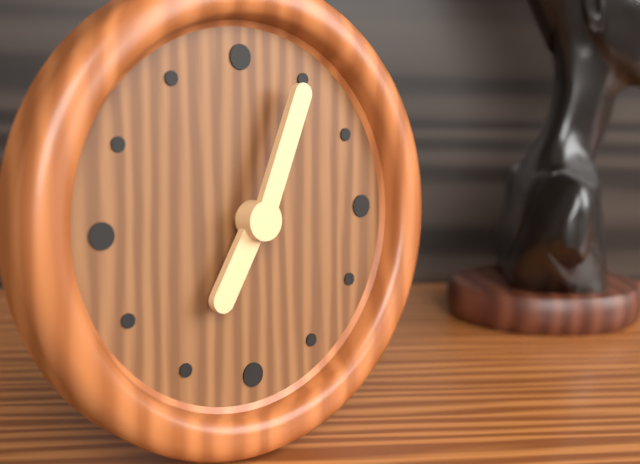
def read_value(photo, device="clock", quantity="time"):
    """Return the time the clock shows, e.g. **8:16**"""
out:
**7:04**
